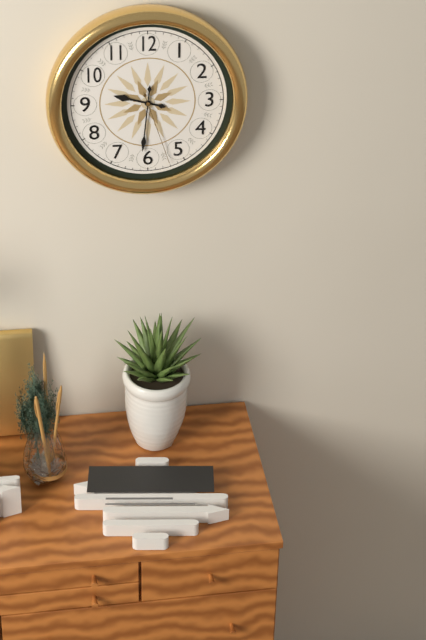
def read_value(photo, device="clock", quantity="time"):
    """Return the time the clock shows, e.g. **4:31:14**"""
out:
**9:31:27**
